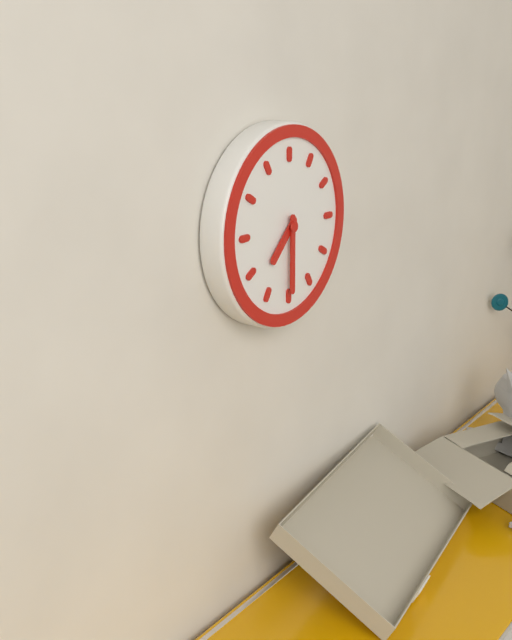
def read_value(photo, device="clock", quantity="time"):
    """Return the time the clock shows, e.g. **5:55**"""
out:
**7:30**
